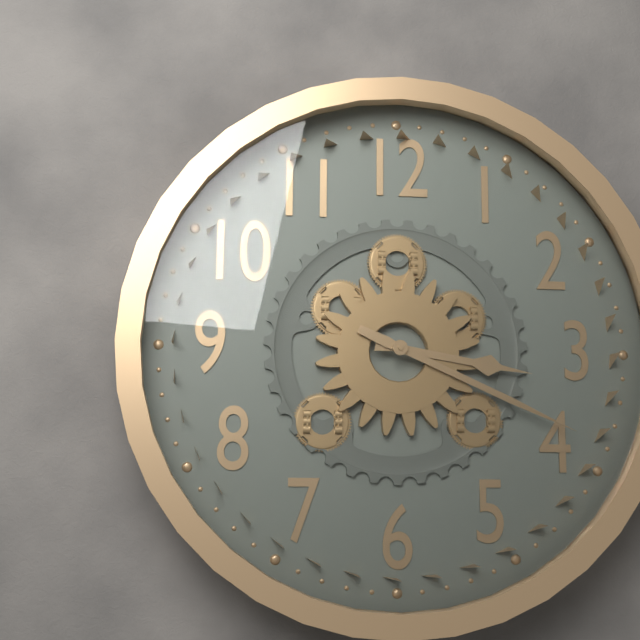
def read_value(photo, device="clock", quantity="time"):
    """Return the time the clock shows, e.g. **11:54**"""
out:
**3:19**
